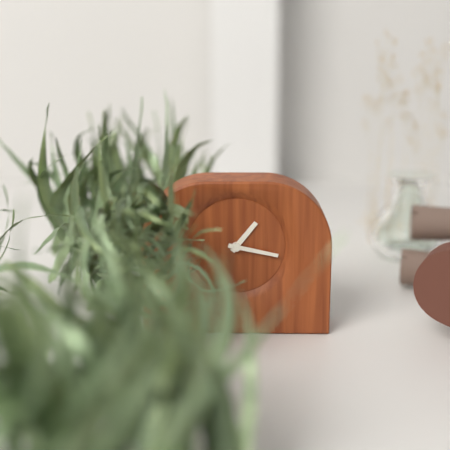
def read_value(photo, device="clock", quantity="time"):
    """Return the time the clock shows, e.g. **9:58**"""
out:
**1:17**
